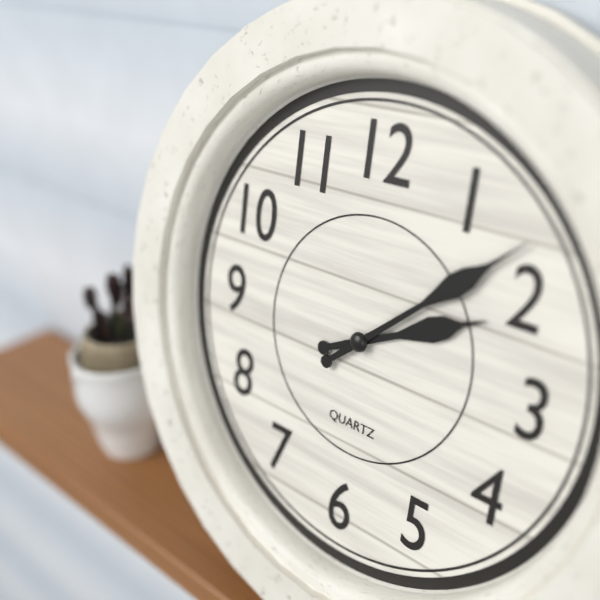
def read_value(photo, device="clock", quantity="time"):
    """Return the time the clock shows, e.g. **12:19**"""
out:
**2:08**
